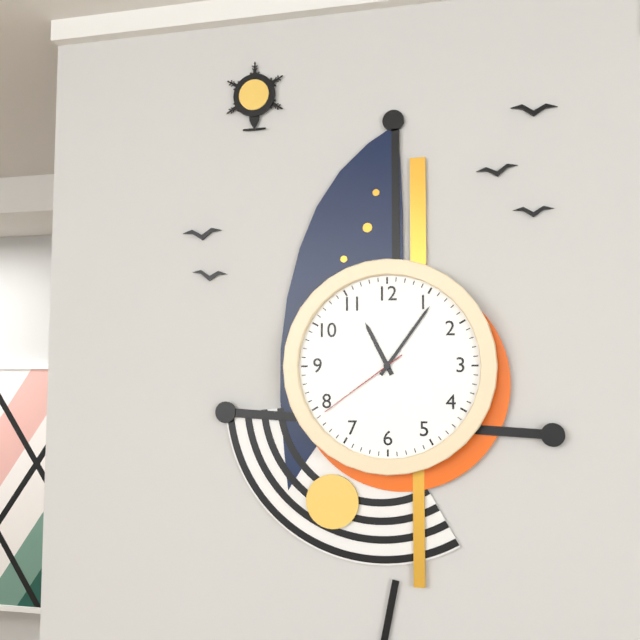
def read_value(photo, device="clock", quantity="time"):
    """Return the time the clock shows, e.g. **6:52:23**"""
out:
**11:06:39**
